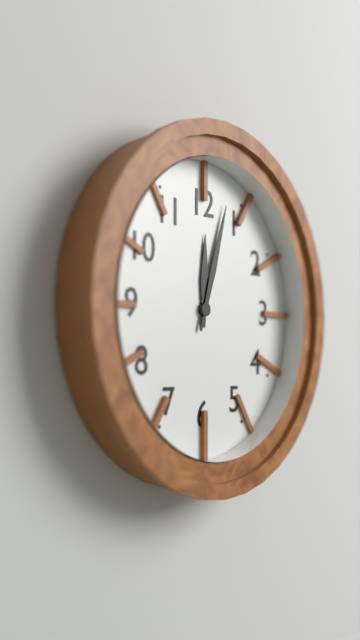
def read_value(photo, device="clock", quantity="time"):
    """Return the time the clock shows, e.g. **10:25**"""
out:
**12:03**
